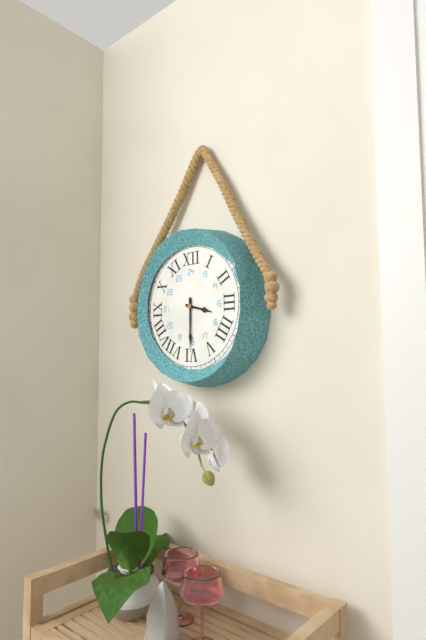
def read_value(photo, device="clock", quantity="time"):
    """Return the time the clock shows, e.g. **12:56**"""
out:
**3:30**
